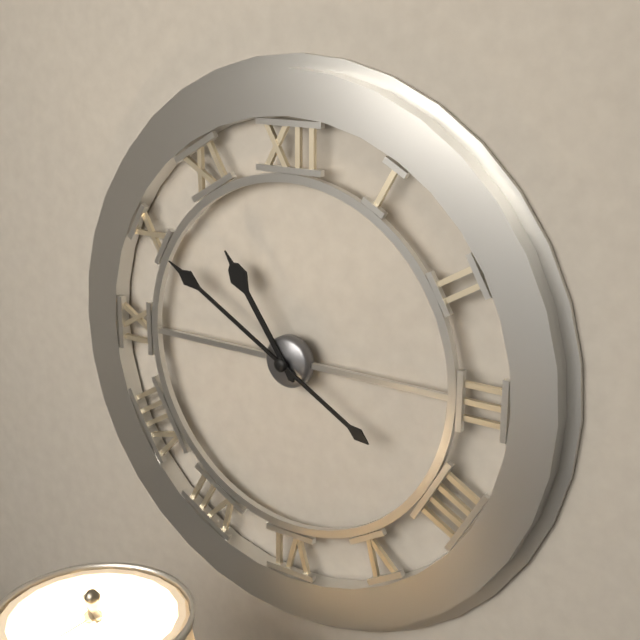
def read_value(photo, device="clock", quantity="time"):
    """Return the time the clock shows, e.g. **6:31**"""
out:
**10:50**
